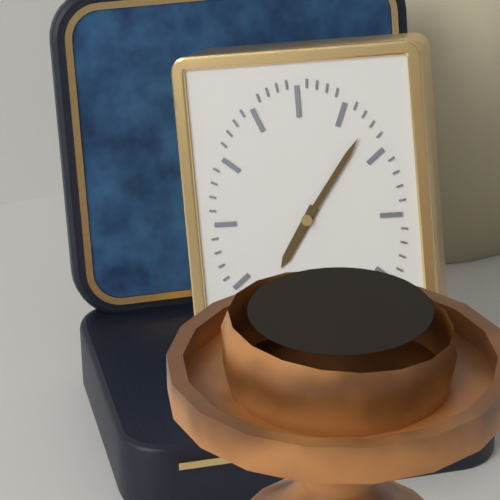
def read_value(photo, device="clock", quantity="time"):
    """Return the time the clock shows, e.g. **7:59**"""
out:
**7:06**
